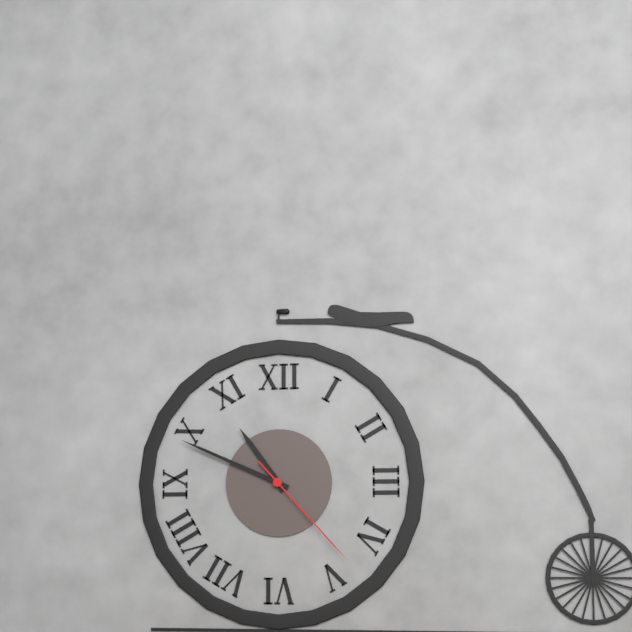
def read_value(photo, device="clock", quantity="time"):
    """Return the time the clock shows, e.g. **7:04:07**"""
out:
**10:49:23**
